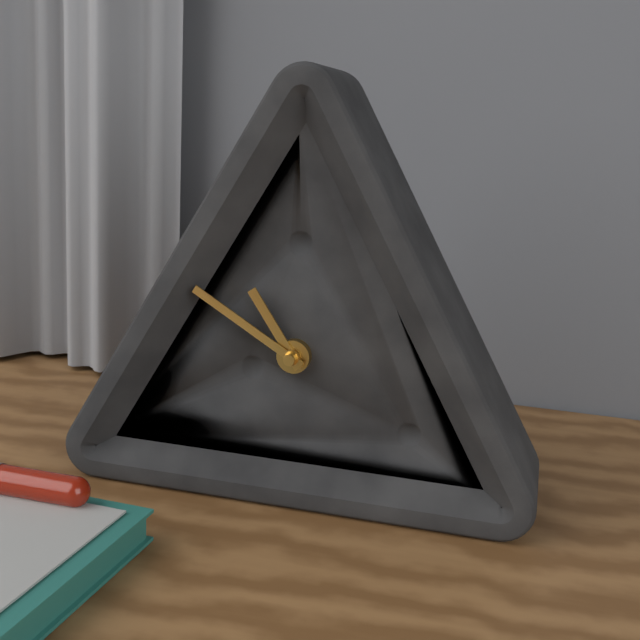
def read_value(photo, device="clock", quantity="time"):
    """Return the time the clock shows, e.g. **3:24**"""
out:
**10:50**
